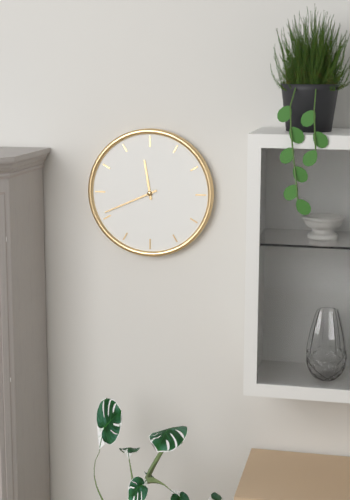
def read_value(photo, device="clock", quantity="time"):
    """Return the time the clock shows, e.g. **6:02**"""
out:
**11:41**
